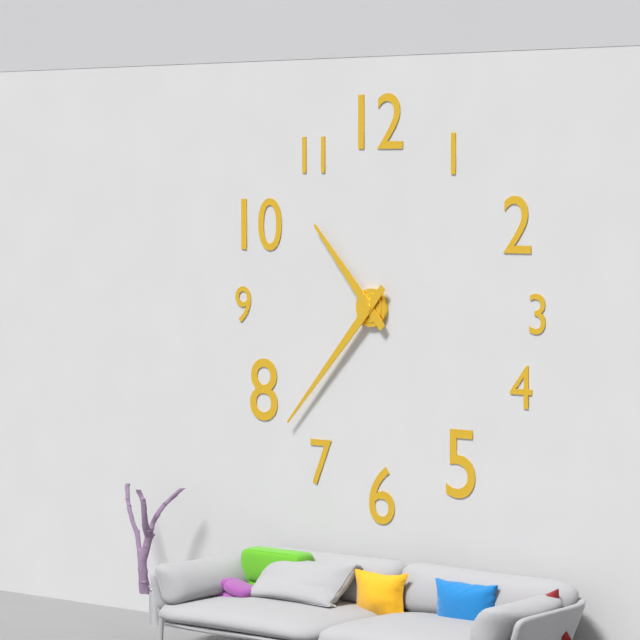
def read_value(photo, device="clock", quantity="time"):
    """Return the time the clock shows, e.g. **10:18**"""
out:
**10:37**
